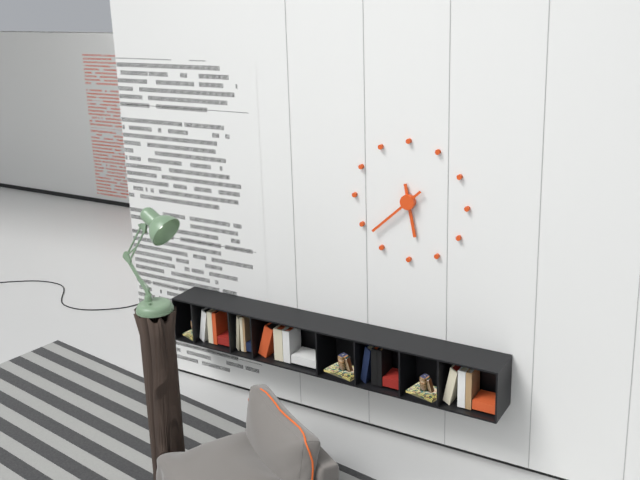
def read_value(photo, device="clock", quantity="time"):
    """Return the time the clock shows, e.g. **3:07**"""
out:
**5:38**
